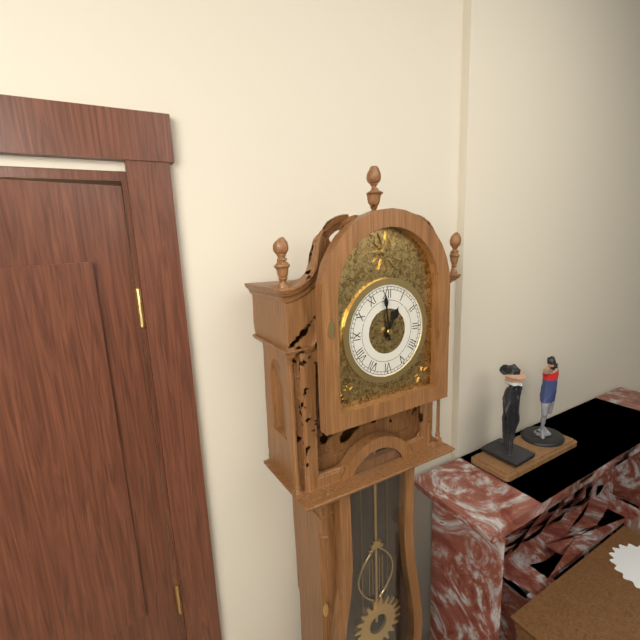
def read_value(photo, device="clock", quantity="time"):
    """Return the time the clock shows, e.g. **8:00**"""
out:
**12:59**
